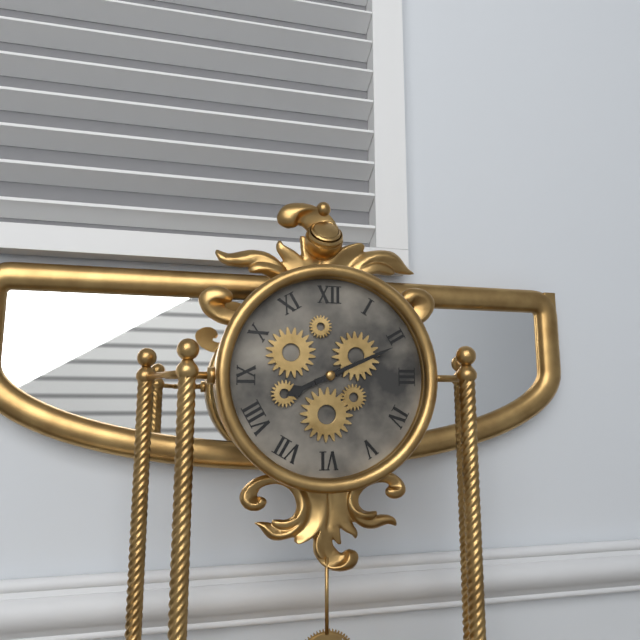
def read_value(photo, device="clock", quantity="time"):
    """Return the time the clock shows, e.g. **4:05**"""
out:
**8:11**
